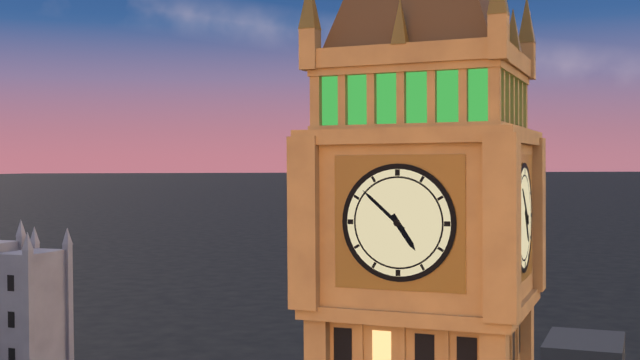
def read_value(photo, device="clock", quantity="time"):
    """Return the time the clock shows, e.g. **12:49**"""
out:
**4:52**
